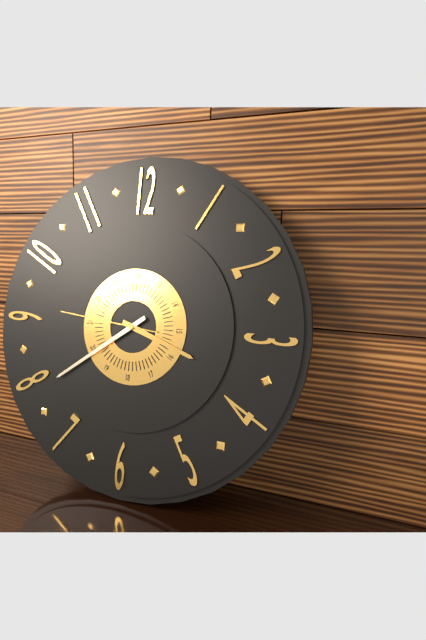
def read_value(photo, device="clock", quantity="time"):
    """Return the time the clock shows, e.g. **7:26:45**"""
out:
**3:39:46**
